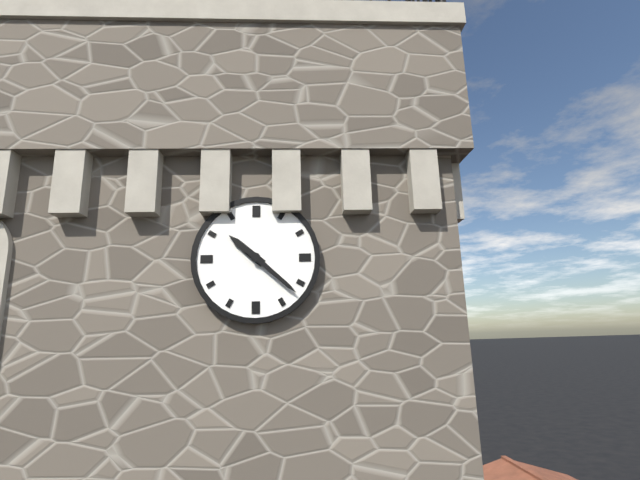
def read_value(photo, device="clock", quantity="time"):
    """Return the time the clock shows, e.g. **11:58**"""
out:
**10:22**
